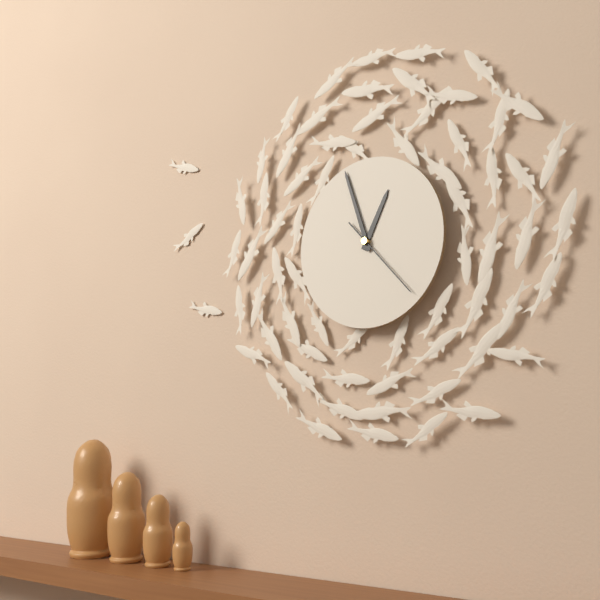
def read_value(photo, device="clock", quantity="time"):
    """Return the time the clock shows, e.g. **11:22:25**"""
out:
**12:57:23**
